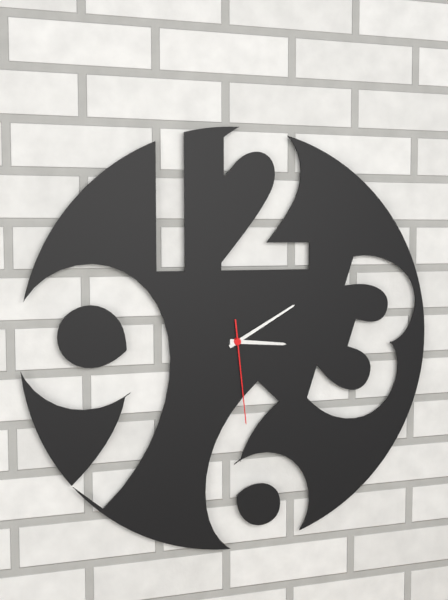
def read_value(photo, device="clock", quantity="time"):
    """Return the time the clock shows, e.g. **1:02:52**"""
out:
**3:10:29**
